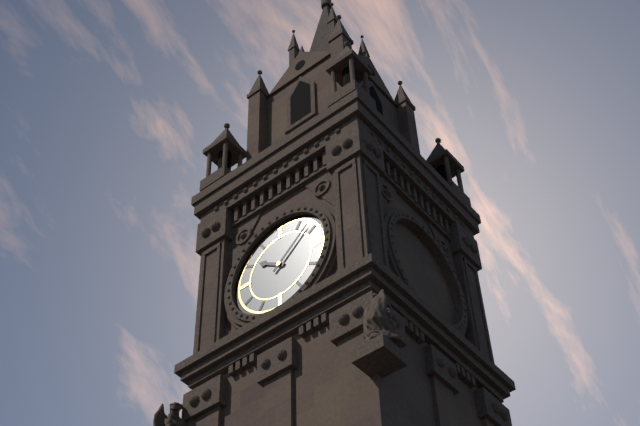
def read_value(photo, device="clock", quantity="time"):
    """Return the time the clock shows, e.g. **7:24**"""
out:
**10:08**
